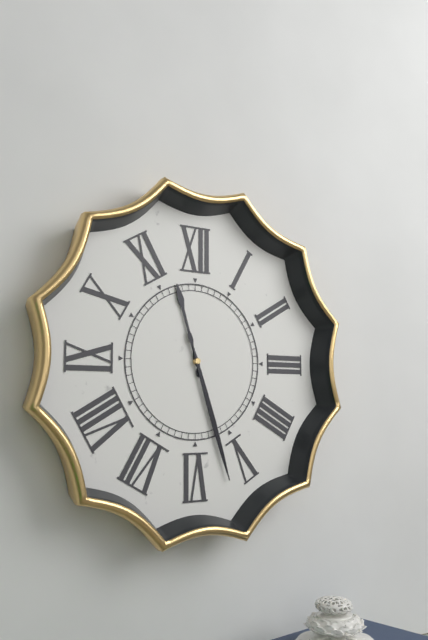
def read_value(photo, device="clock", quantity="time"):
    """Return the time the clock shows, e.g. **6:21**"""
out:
**11:27**
